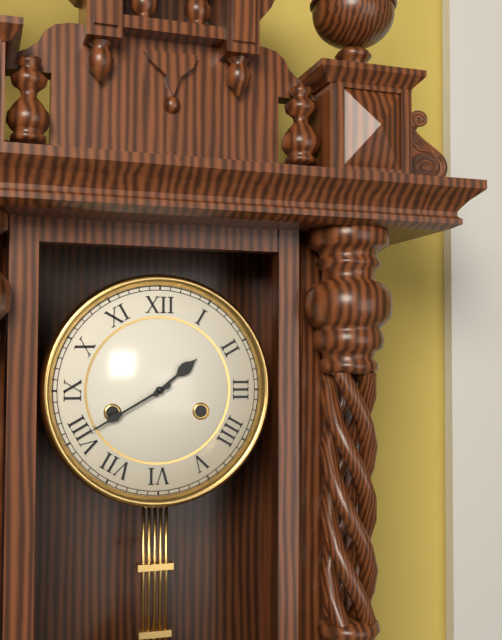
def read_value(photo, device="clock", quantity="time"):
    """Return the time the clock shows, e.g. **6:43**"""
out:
**1:40**
